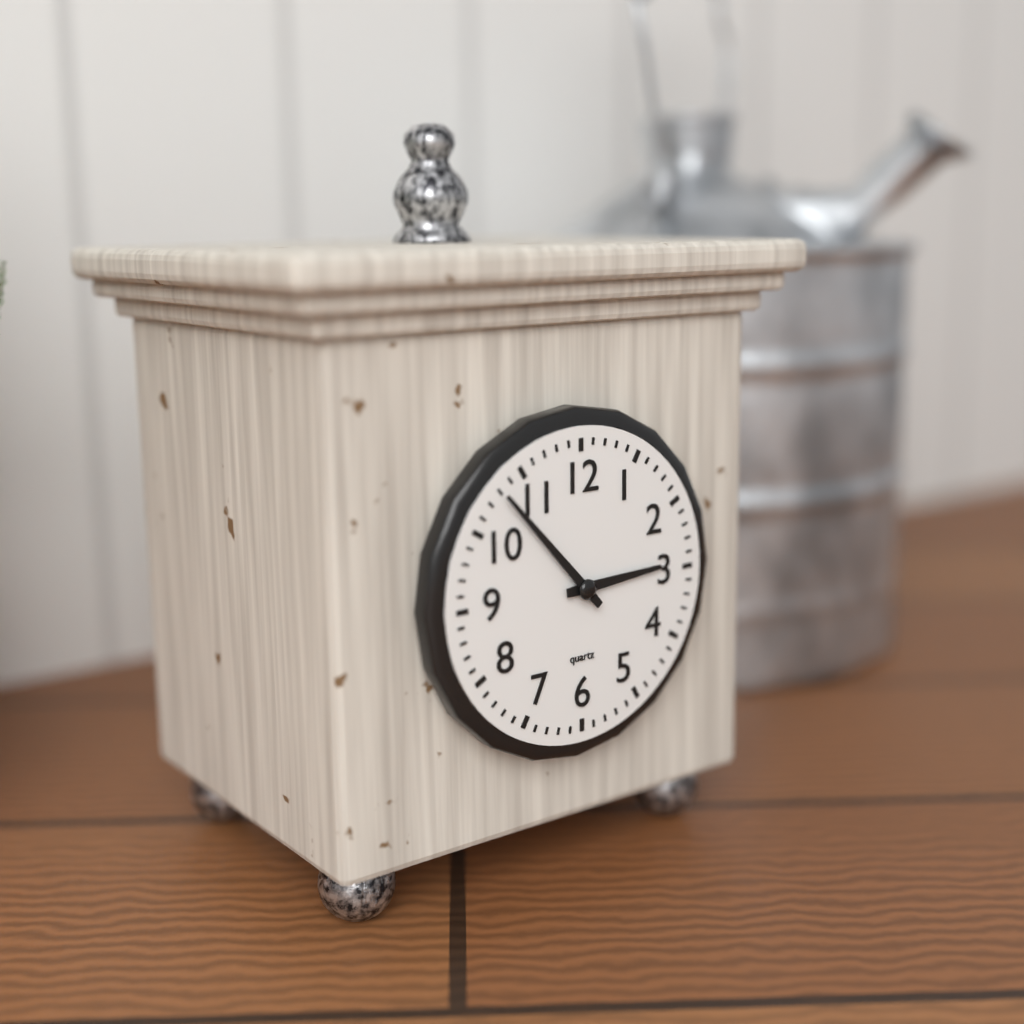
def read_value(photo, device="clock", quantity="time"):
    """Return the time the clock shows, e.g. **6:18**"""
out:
**2:53**
